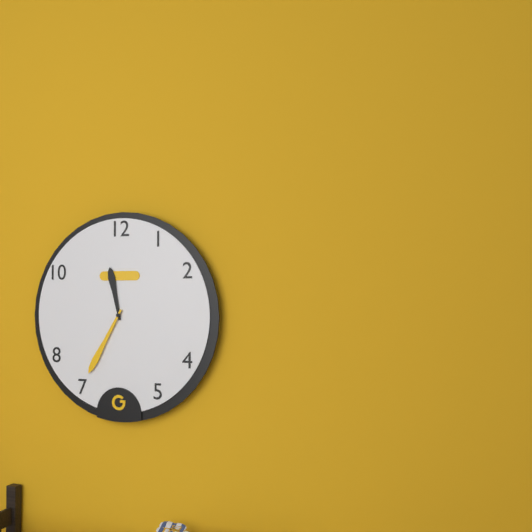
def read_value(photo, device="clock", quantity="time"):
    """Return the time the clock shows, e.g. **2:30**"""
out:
**11:35**
